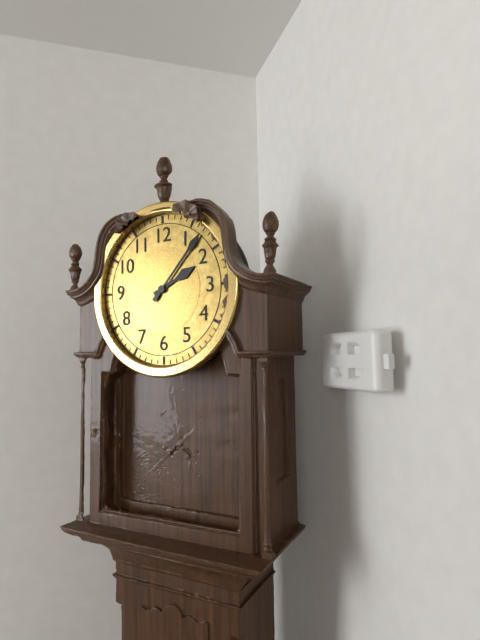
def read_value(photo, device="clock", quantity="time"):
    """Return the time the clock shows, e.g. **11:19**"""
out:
**2:07**
